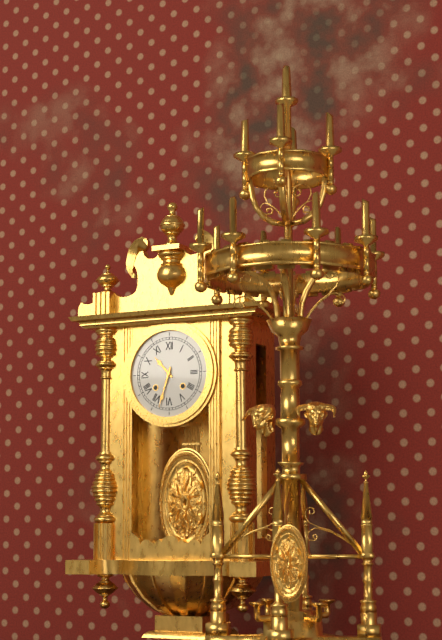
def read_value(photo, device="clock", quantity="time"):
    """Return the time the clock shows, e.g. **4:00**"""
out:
**10:33**
